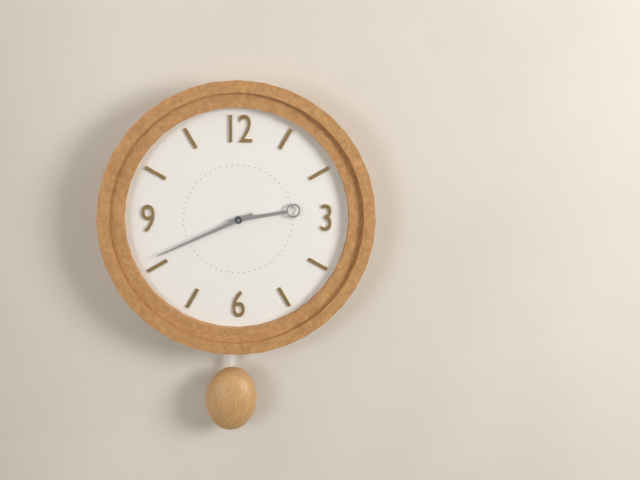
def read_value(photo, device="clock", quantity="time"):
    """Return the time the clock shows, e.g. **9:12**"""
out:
**2:41**
